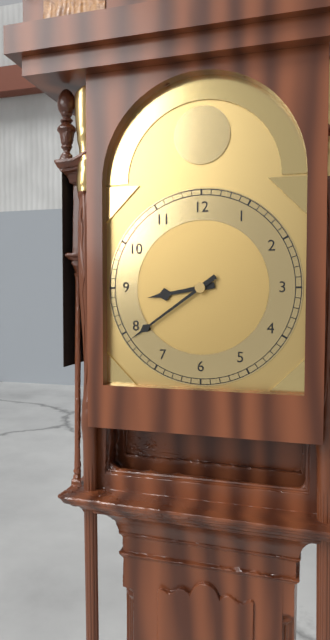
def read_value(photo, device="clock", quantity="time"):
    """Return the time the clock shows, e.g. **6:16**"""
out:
**8:39**
